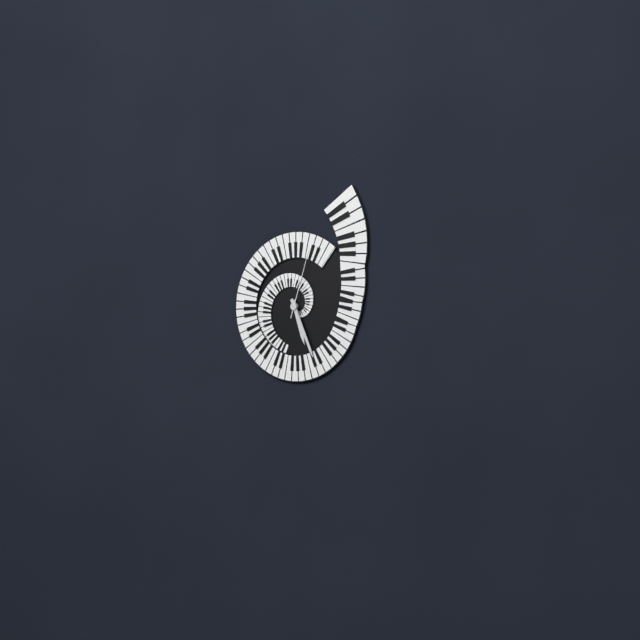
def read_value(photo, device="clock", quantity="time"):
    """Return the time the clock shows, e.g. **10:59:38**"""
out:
**5:26:03**
